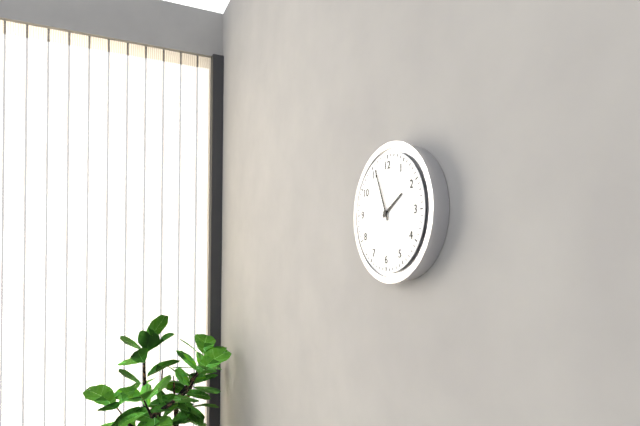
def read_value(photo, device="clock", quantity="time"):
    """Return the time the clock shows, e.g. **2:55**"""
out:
**1:56**
